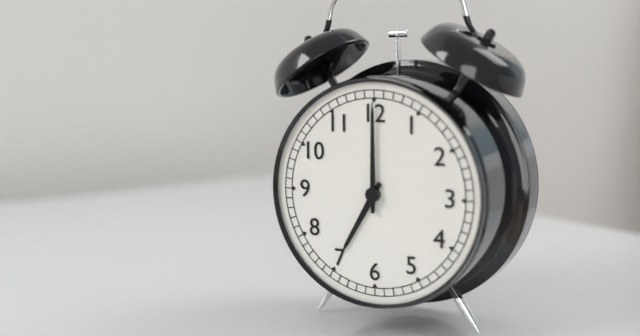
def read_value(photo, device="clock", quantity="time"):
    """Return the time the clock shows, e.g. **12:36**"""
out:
**7:00**
